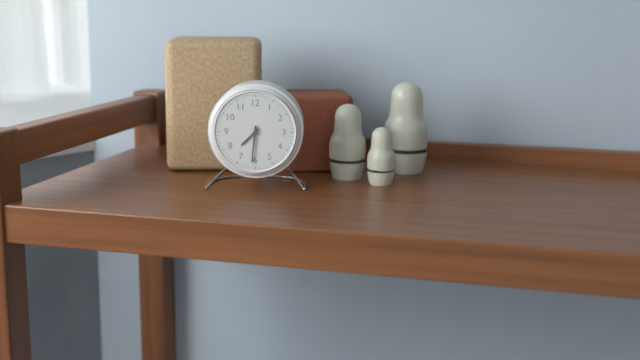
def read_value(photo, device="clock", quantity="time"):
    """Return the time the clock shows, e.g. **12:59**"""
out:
**7:31**
